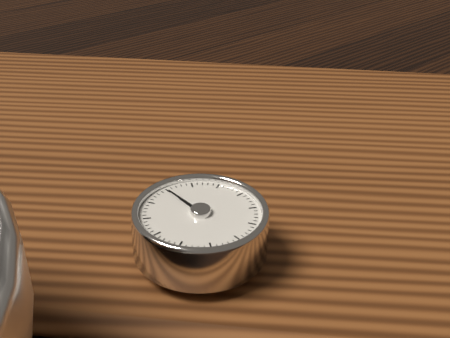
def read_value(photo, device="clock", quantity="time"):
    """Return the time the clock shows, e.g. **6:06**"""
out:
**12:00**
